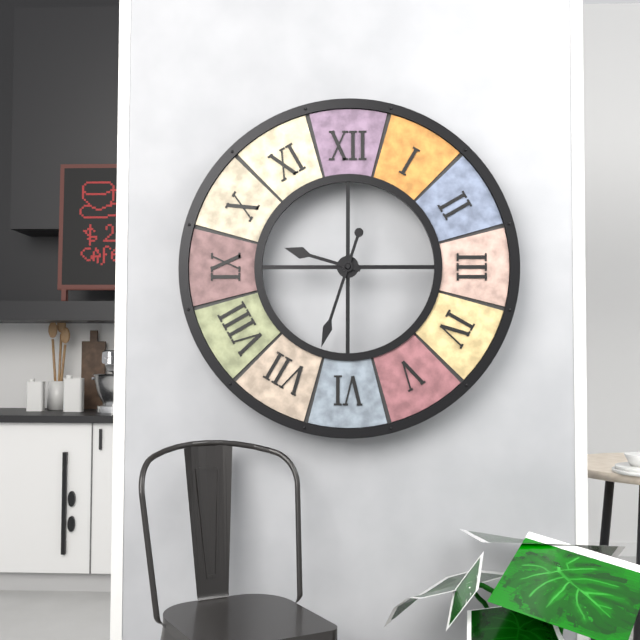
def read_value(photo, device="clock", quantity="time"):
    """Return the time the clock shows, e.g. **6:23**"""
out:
**9:33**
